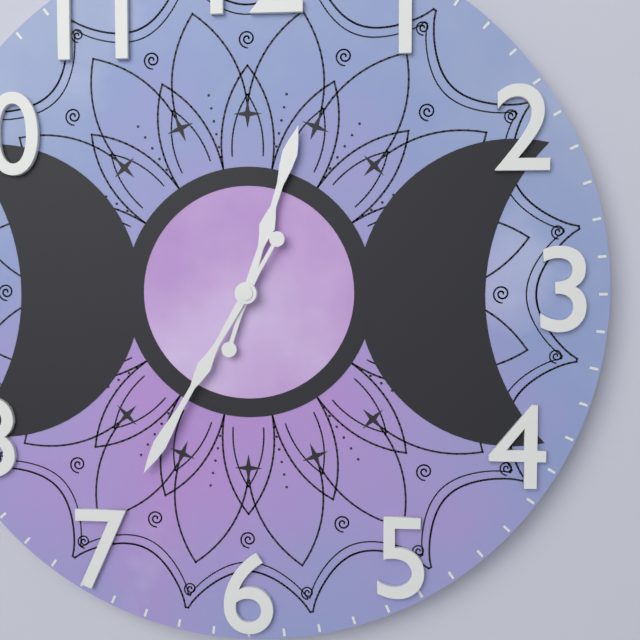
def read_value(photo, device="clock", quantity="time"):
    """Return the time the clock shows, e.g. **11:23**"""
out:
**12:35**
